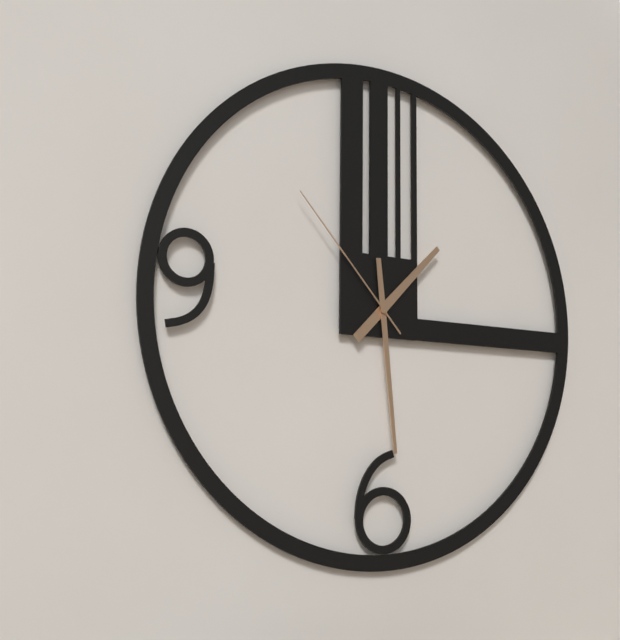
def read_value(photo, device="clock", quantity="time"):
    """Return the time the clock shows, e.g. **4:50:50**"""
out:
**1:29:53**
